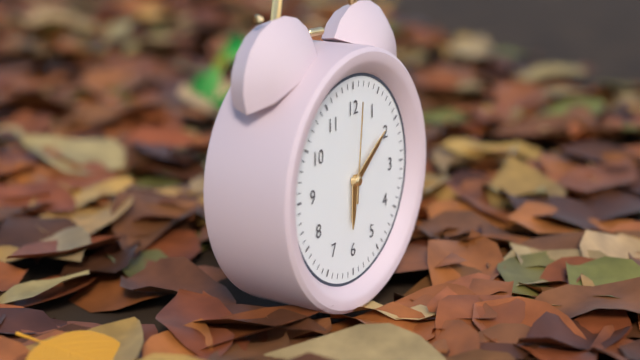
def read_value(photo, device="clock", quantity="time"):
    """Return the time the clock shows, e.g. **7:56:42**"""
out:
**6:09:01**
